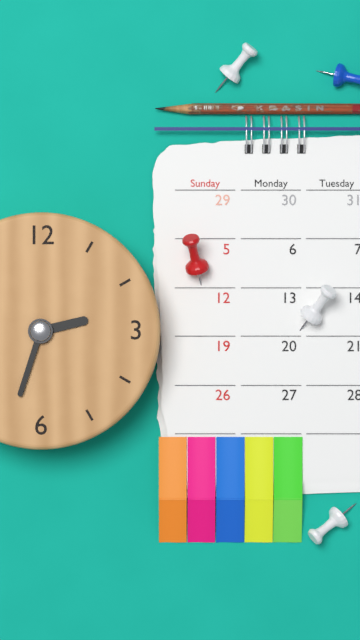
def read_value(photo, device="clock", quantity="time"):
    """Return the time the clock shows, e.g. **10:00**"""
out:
**2:33**
